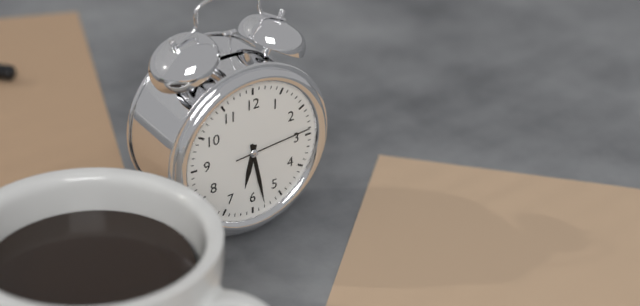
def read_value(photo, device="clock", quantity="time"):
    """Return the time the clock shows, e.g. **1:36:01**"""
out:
**6:28:14**
